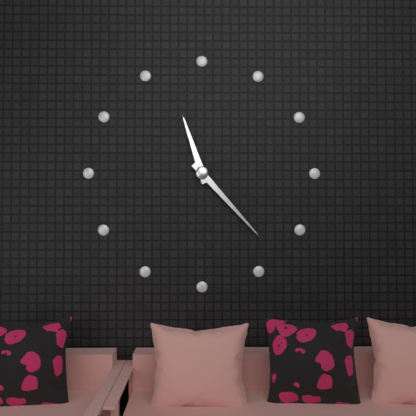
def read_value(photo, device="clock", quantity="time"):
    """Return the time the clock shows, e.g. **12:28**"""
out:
**11:23**
